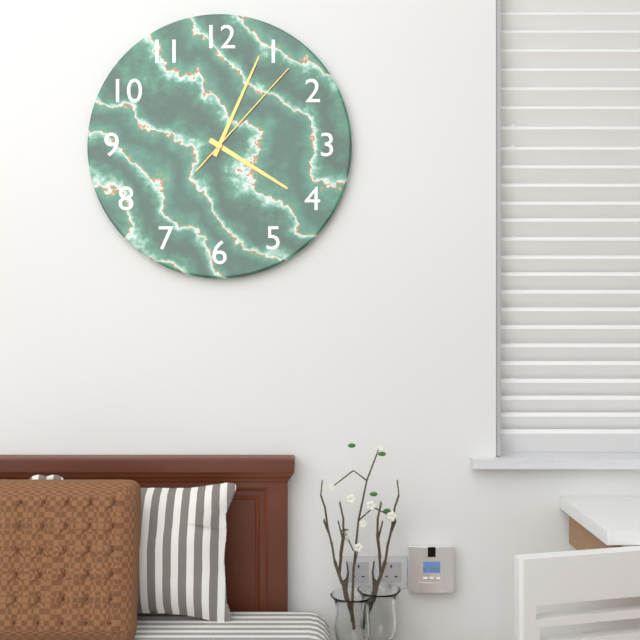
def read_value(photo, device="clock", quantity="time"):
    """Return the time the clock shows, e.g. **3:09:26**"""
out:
**4:04:07**
